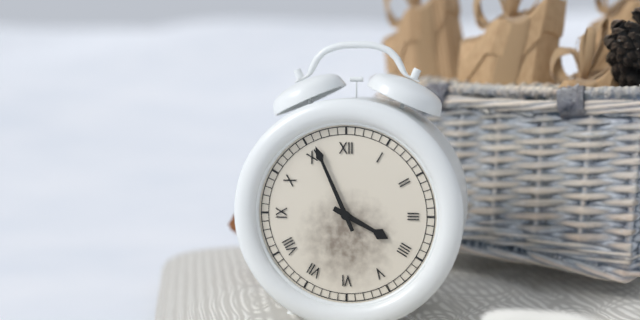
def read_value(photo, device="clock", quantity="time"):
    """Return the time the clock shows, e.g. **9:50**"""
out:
**3:56**
